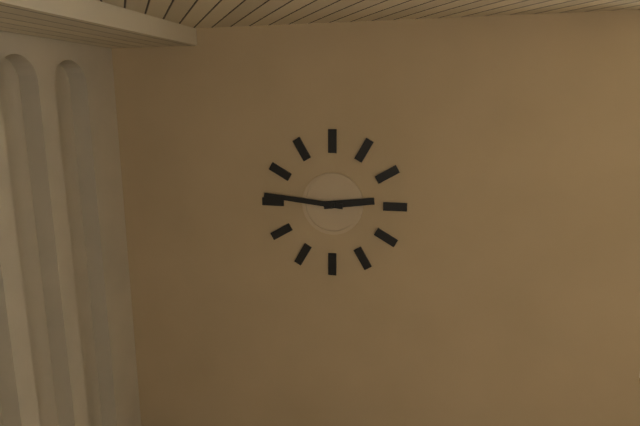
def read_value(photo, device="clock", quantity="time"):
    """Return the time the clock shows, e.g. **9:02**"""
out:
**2:46**
